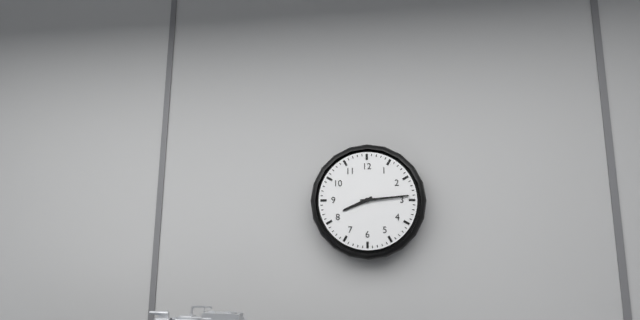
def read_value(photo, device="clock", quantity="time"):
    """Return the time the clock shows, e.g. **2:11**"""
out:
**8:14**
